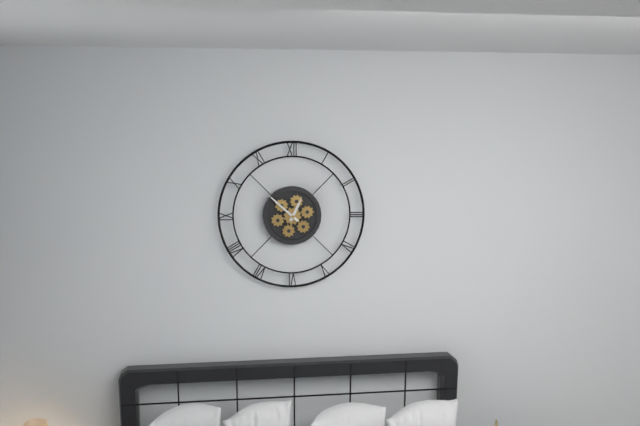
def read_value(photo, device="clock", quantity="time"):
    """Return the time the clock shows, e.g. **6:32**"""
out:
**12:52**
